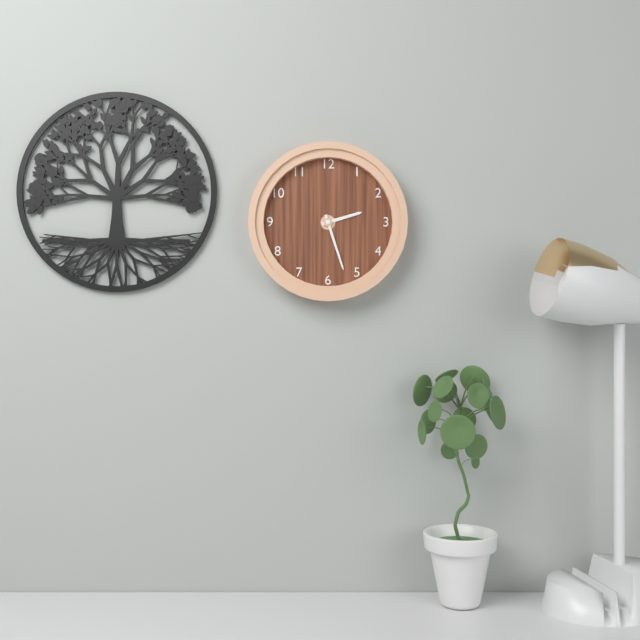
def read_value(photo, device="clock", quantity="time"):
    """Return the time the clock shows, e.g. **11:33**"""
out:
**2:27**
